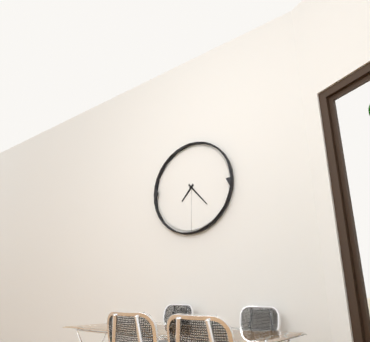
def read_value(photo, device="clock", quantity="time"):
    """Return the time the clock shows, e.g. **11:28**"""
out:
**7:23**
